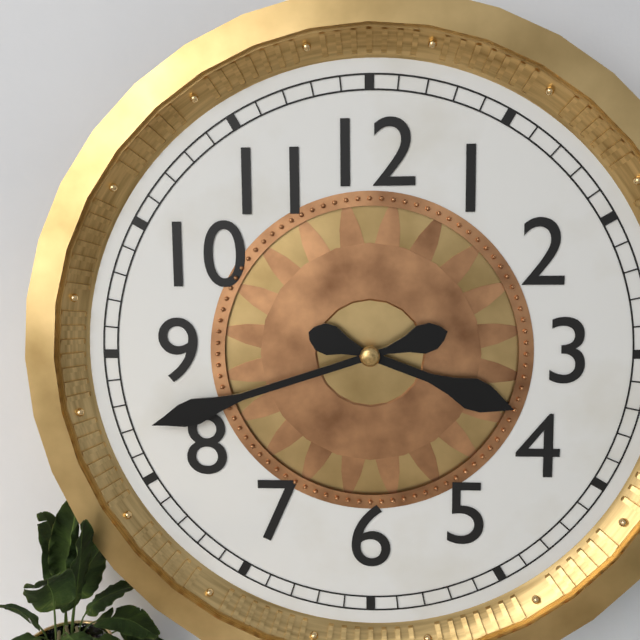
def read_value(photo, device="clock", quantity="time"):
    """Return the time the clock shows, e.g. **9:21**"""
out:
**3:42**
